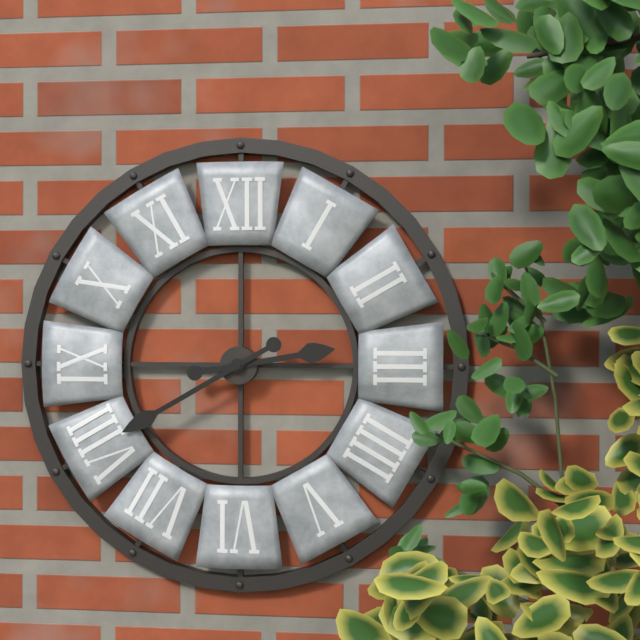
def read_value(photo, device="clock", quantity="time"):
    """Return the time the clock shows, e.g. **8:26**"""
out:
**2:40**
